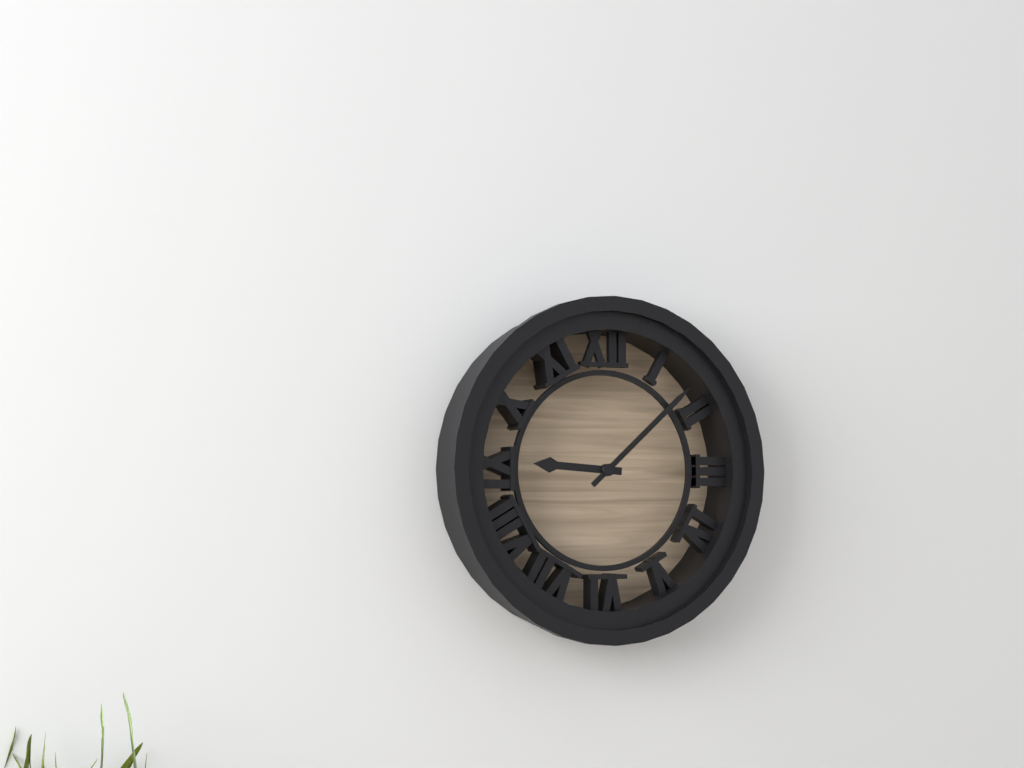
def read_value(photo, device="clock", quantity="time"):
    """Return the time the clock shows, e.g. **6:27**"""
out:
**9:08**
